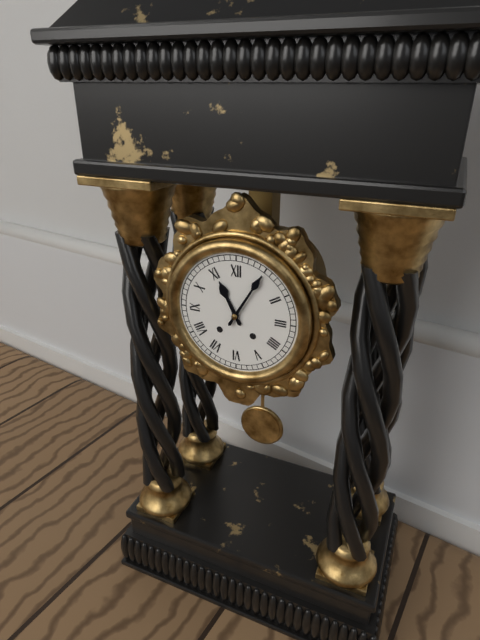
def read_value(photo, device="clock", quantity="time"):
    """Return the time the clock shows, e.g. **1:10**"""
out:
**11:05**
